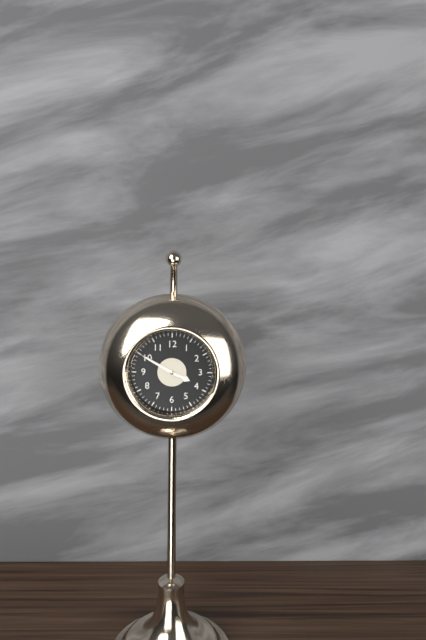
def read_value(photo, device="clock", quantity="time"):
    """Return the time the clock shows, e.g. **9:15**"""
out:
**3:50**
